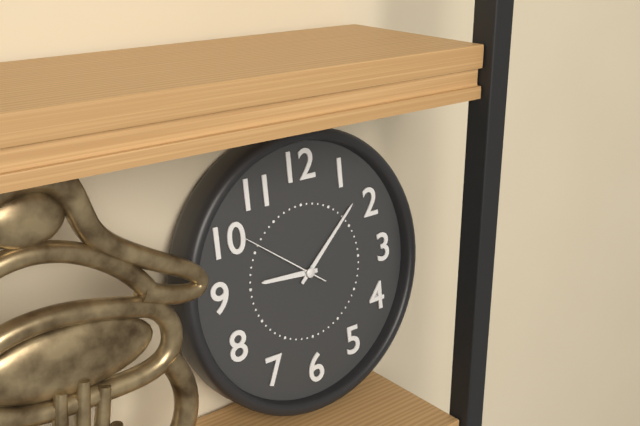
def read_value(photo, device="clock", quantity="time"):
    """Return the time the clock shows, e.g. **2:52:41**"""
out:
**9:08:51**
